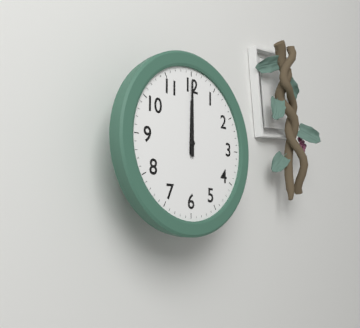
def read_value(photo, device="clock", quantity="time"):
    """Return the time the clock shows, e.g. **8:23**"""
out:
**12:00**
